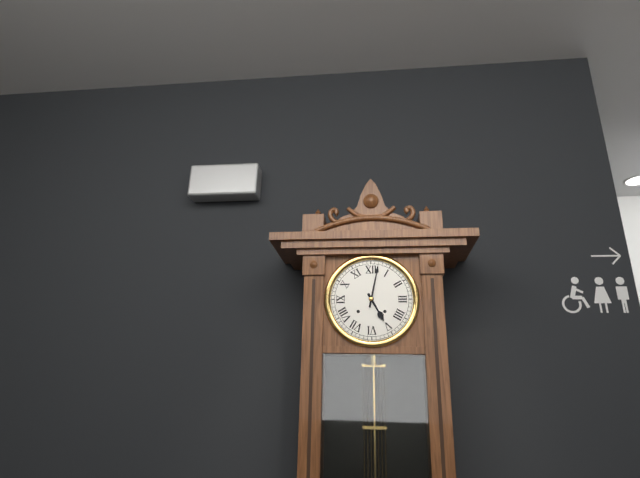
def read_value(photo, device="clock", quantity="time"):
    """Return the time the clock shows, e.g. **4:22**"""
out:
**5:02**
